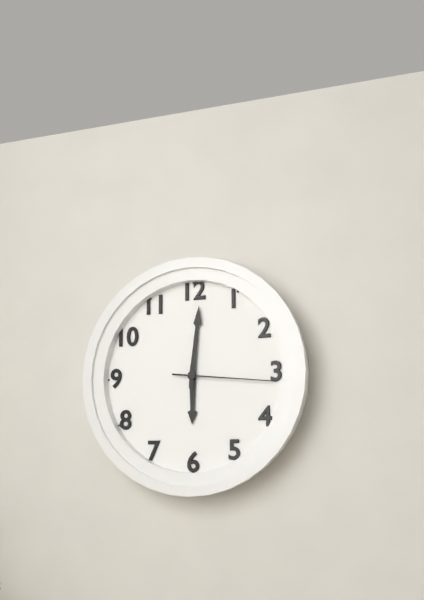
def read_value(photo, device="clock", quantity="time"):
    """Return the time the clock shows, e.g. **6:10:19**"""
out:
**6:01:16**
